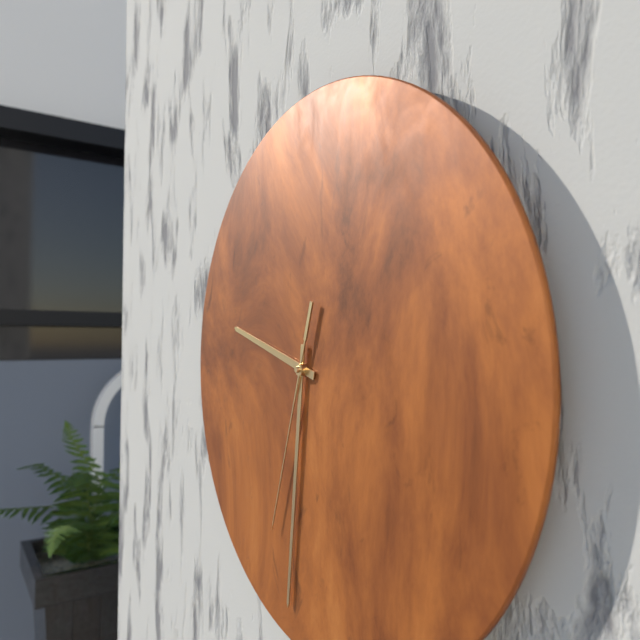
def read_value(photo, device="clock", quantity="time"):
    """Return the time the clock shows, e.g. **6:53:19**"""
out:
**9:31:33**
